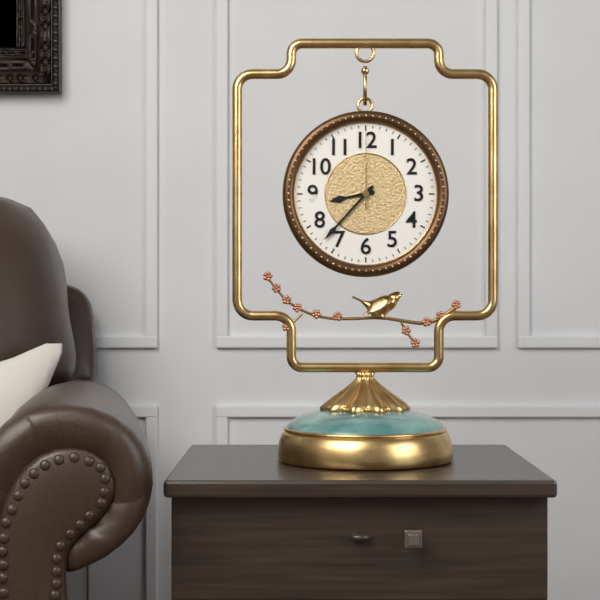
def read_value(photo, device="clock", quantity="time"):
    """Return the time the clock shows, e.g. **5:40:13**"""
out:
**8:37:00**
